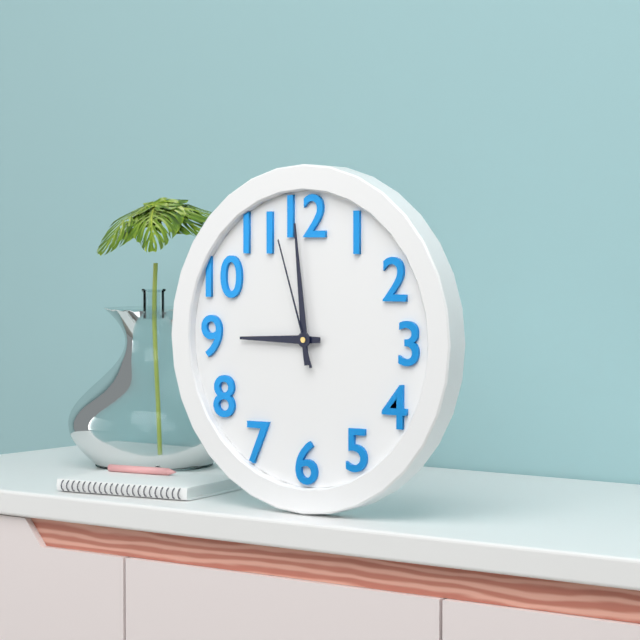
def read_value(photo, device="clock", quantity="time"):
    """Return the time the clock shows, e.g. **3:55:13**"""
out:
**8:59:57**
